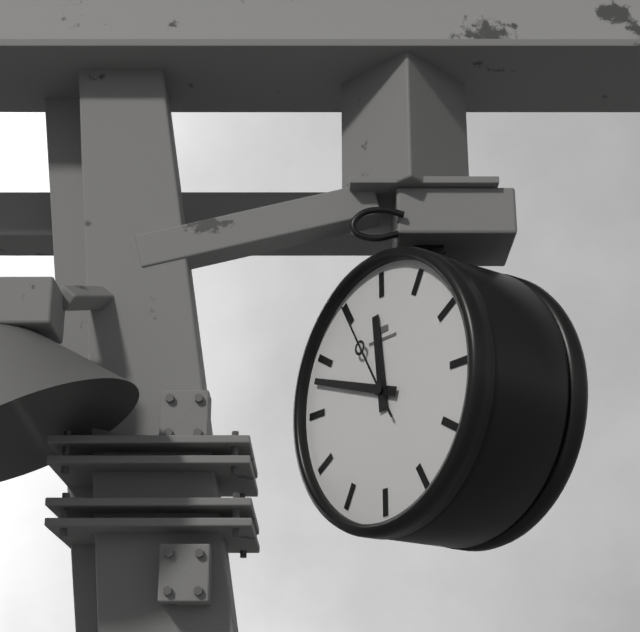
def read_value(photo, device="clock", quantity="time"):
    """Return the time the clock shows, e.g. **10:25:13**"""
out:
**11:48:55**
